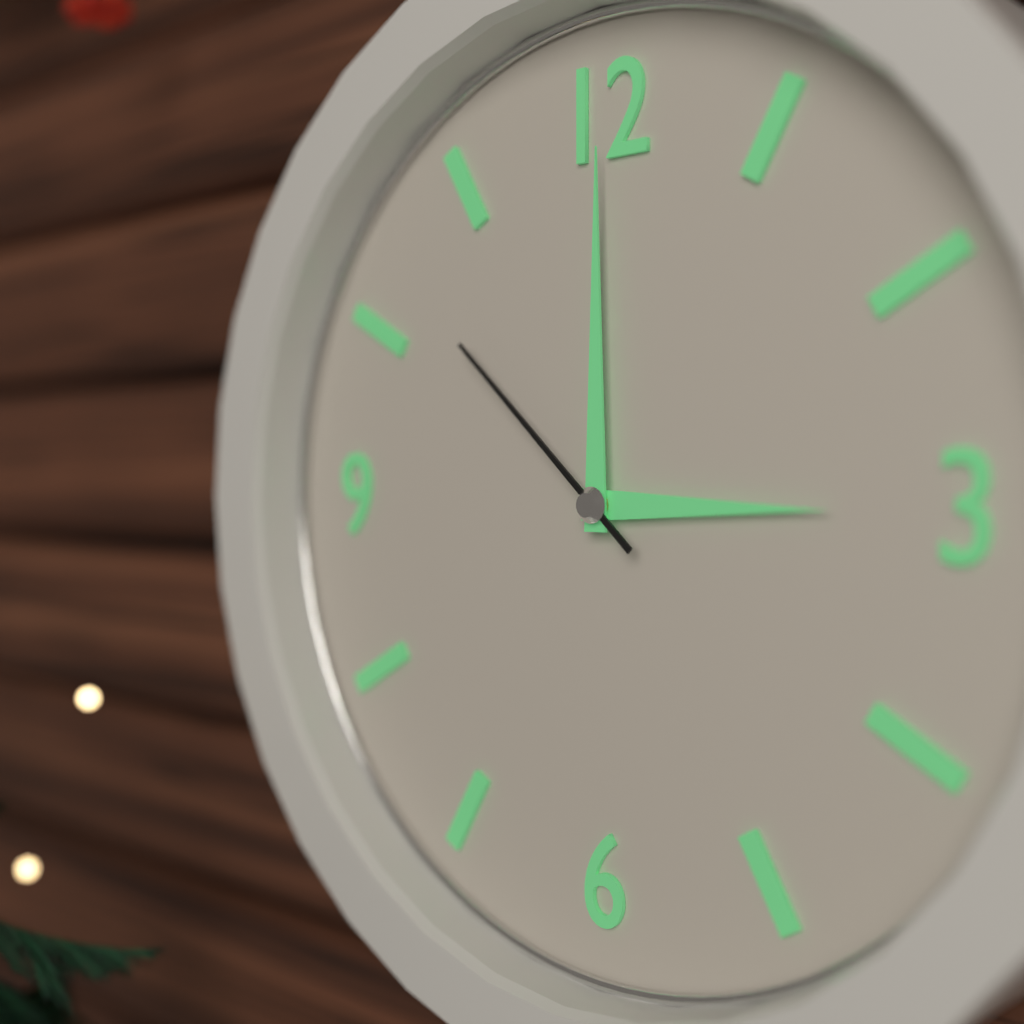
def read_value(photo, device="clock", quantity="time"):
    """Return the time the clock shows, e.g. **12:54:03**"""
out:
**3:00:52**
